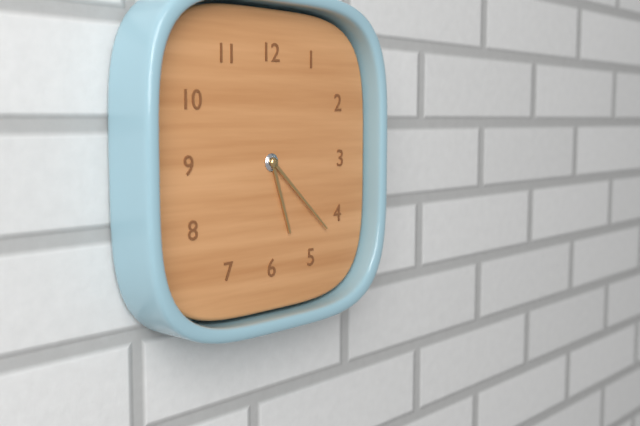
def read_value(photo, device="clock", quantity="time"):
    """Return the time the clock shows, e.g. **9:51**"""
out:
**5:22**
